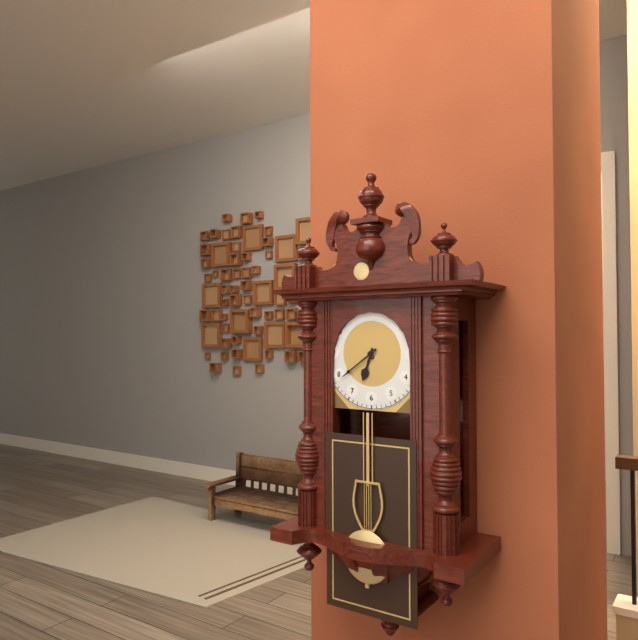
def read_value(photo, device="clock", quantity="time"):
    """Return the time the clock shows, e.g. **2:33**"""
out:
**6:39**
